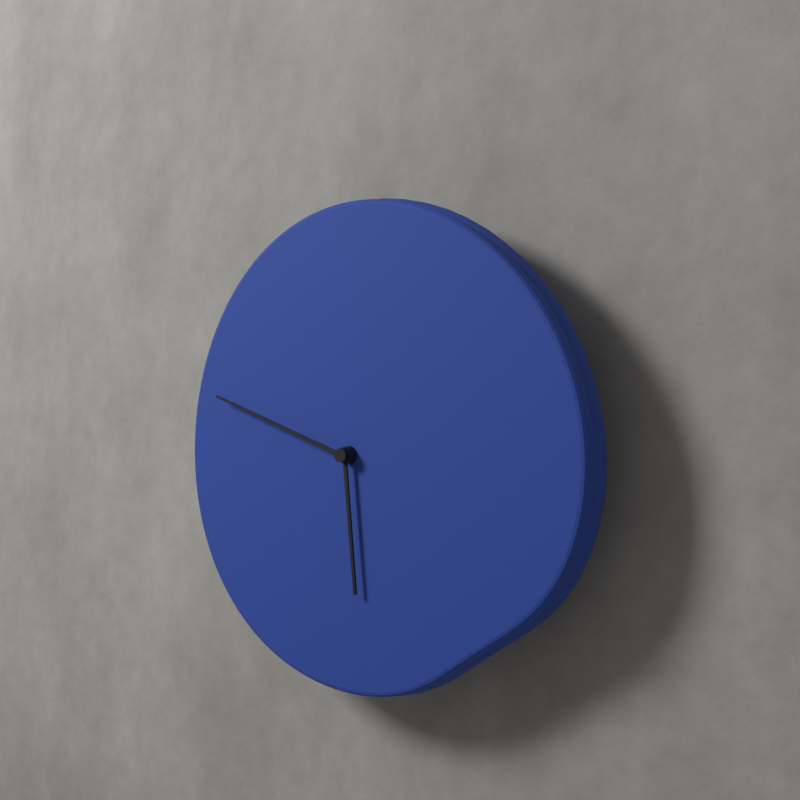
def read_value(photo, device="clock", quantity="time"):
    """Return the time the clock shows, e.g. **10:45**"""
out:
**5:48**
